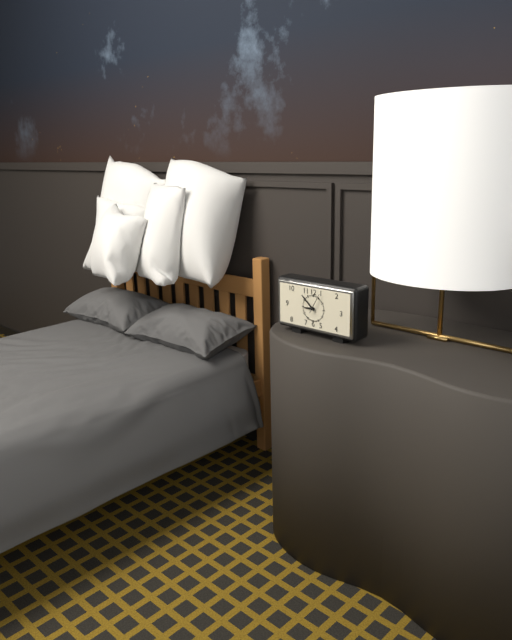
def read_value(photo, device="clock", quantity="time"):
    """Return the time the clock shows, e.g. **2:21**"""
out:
**8:52**
